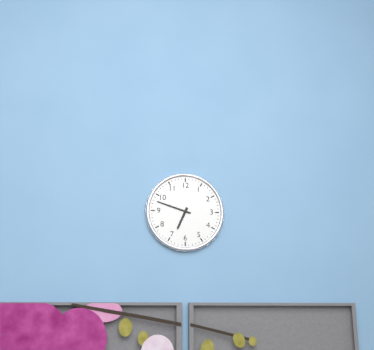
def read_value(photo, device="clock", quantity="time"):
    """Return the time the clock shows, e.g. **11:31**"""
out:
**6:48**
